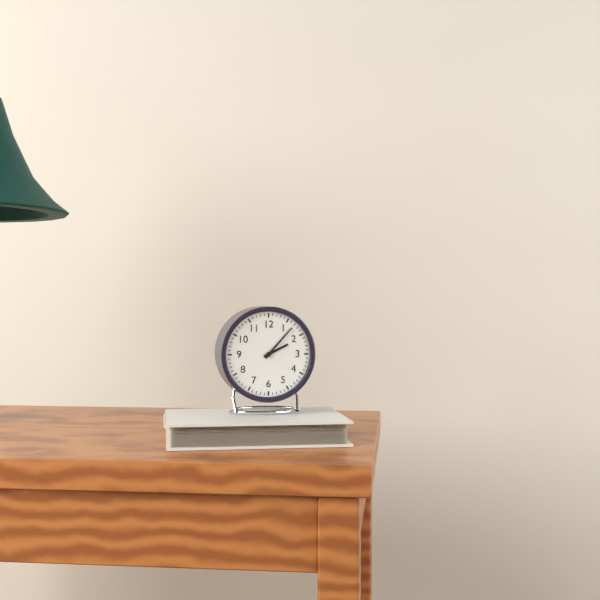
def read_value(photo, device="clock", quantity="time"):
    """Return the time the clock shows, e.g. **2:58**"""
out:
**2:07**
